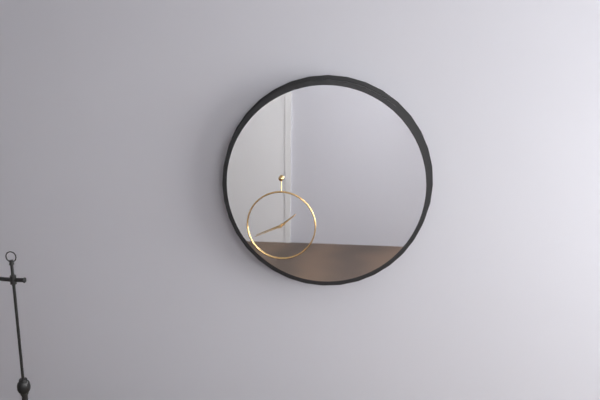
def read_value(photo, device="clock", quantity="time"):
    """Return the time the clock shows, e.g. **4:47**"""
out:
**1:41**
